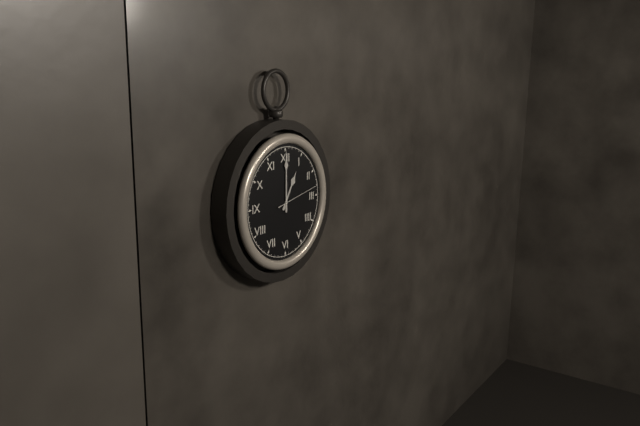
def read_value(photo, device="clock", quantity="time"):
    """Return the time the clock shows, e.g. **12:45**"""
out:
**1:00**
